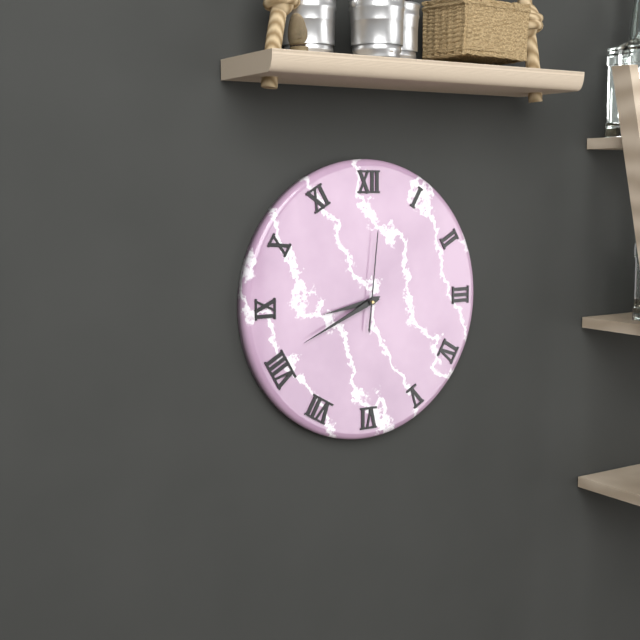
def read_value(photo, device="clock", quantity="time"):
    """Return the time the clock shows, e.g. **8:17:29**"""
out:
**8:41:01**
